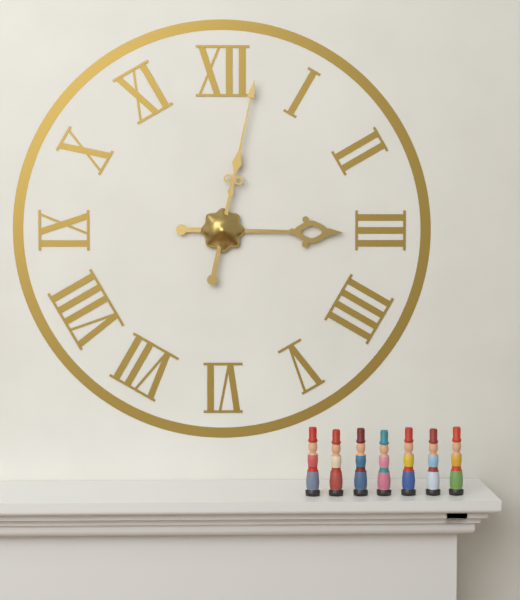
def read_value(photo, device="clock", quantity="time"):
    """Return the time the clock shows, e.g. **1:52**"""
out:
**3:02**
